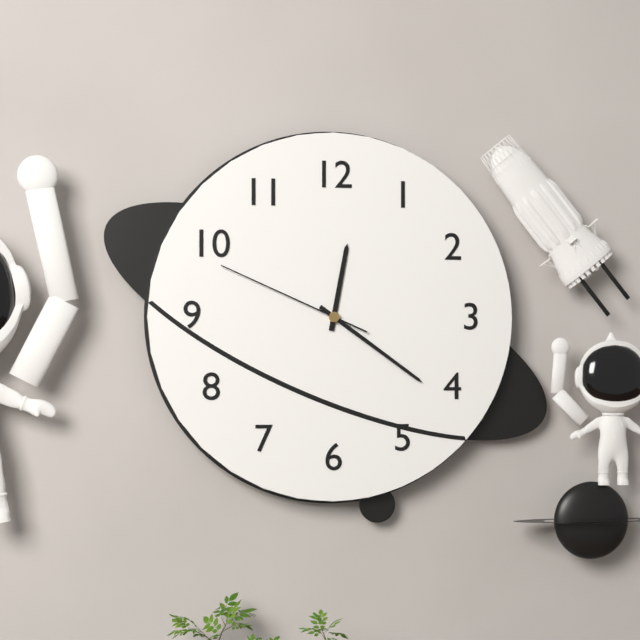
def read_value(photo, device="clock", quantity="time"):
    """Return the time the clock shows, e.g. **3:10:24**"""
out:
**12:21:49**
